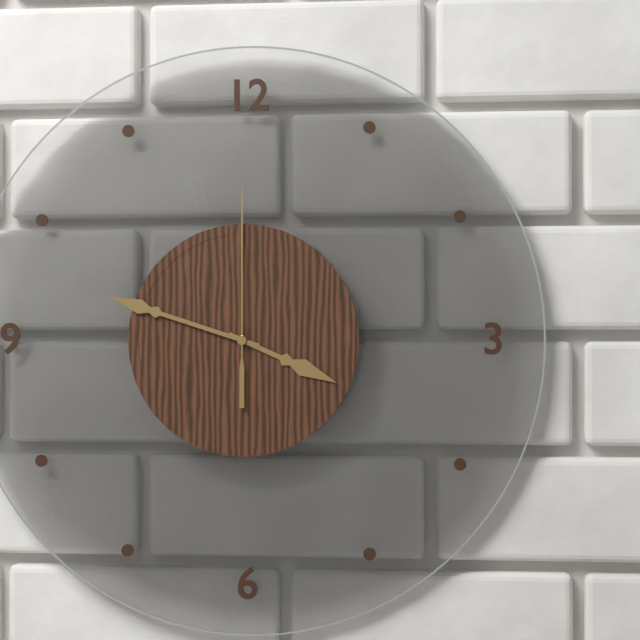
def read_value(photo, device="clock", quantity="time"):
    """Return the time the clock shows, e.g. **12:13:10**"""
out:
**3:48:00**
